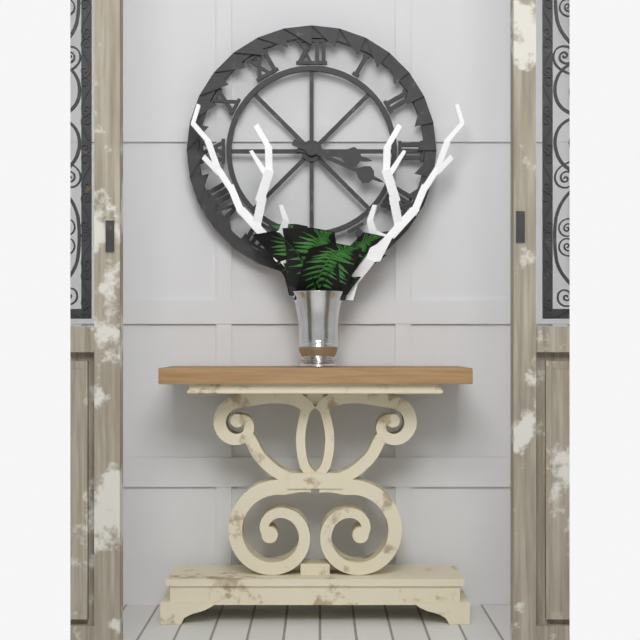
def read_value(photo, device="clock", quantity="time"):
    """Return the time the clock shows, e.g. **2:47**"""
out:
**3:19**
